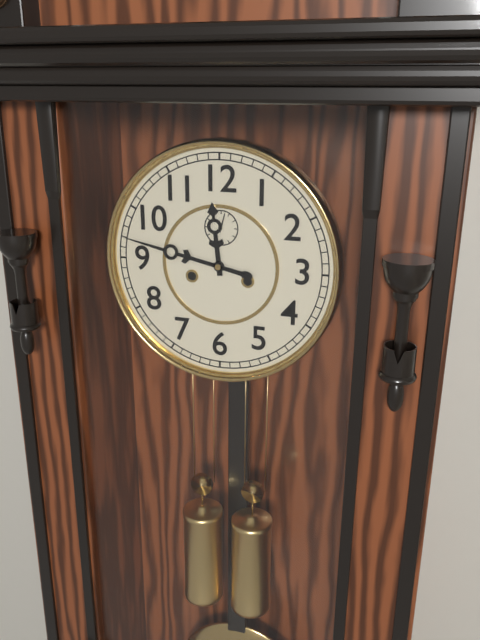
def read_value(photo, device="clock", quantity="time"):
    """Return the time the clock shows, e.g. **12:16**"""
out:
**11:47**
